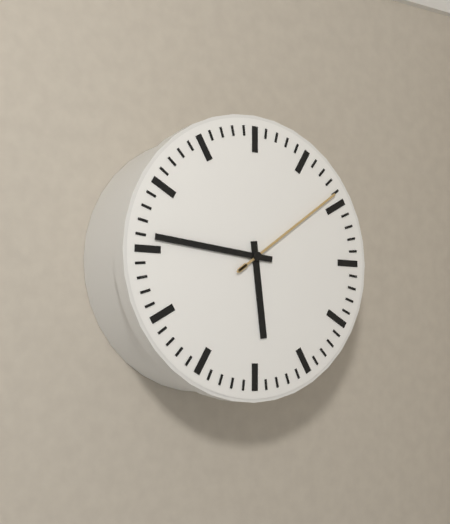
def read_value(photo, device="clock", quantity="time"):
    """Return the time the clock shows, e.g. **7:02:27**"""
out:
**5:46:09**
